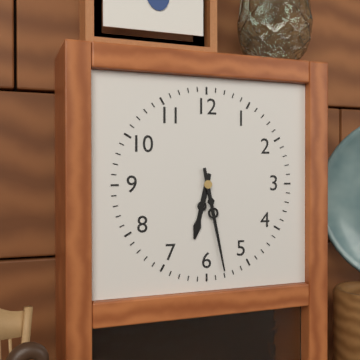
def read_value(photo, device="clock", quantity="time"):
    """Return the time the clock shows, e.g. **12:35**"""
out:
**6:28**
